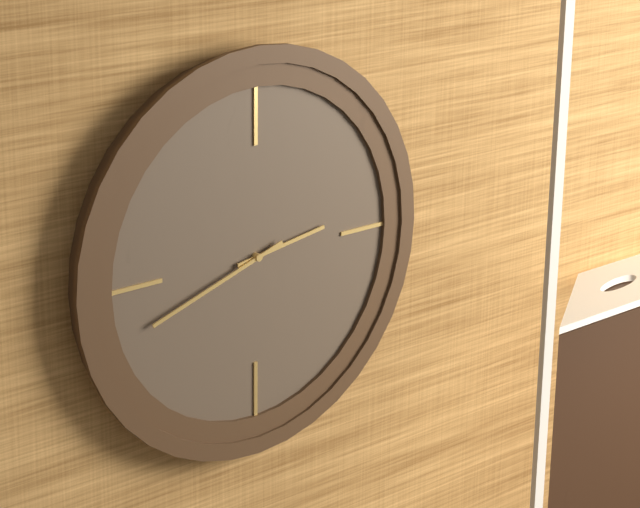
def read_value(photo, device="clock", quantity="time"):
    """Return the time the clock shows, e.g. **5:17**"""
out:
**2:42**
